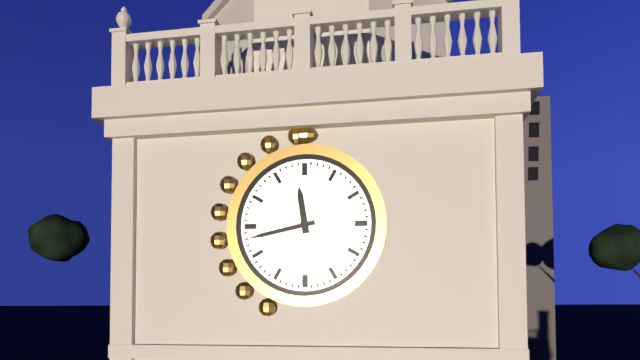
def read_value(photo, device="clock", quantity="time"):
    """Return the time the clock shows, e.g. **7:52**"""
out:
**11:43**
